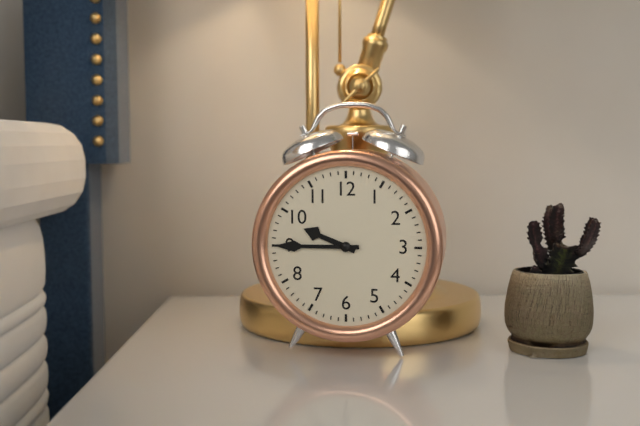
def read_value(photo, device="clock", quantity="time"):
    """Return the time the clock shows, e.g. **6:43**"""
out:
**9:45**
